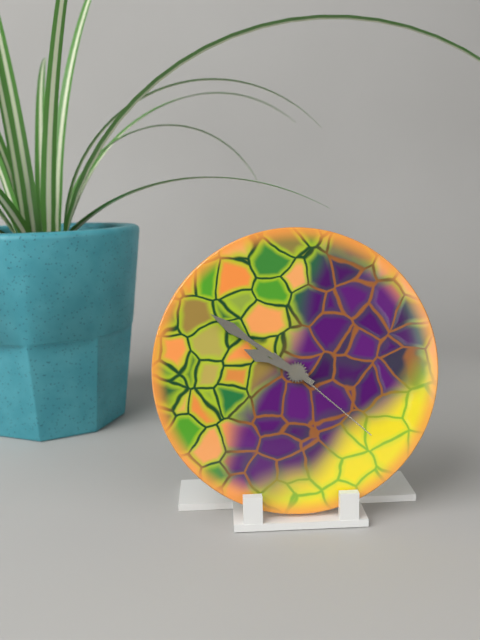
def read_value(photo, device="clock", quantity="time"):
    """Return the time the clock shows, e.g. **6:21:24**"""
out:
**9:51:22**
